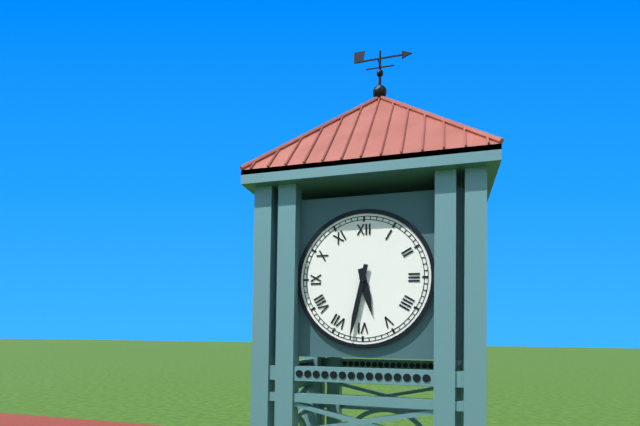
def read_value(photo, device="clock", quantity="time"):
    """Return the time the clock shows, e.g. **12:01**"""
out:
**5:32**
